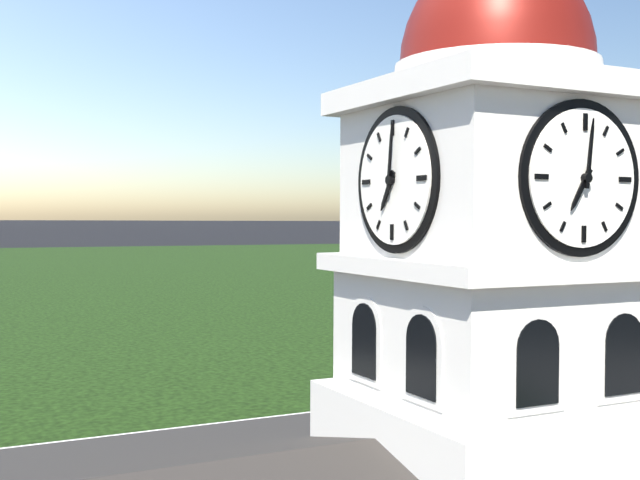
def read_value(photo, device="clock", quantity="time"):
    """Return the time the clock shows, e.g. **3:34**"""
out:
**7:01**
